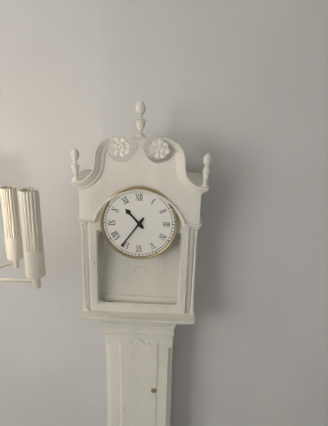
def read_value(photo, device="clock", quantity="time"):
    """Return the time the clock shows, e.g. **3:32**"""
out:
**10:36**
